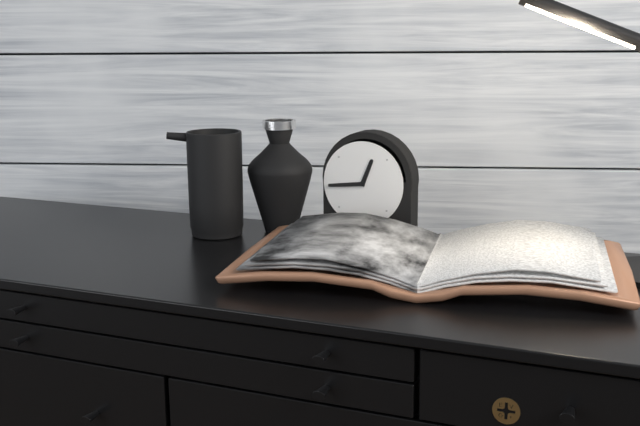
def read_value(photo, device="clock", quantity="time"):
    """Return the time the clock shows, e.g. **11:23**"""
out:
**12:44**
